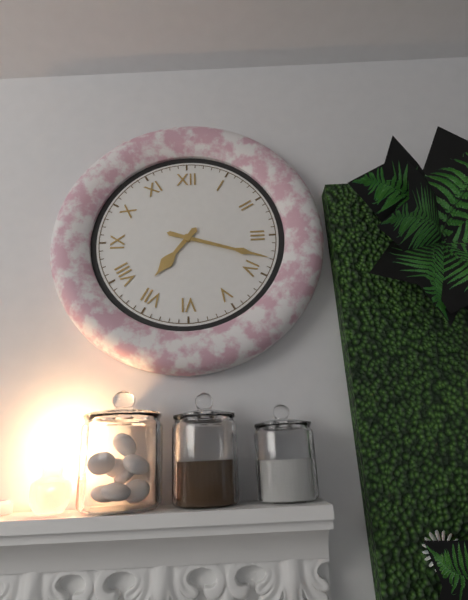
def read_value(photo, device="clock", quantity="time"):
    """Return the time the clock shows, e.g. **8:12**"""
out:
**7:18**
